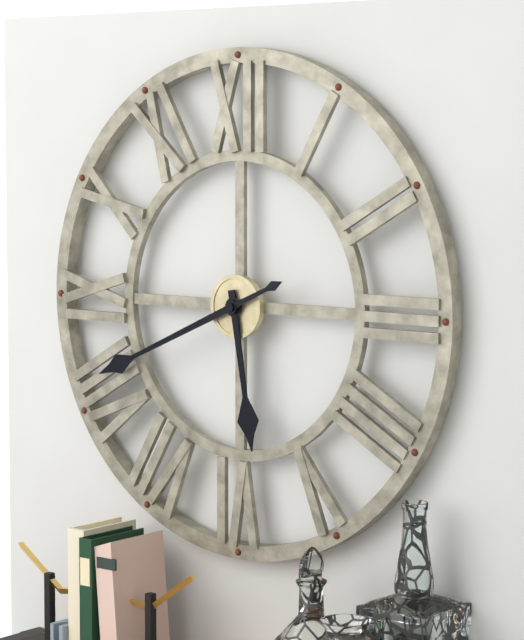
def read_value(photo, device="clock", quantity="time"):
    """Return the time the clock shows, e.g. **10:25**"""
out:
**5:41**
